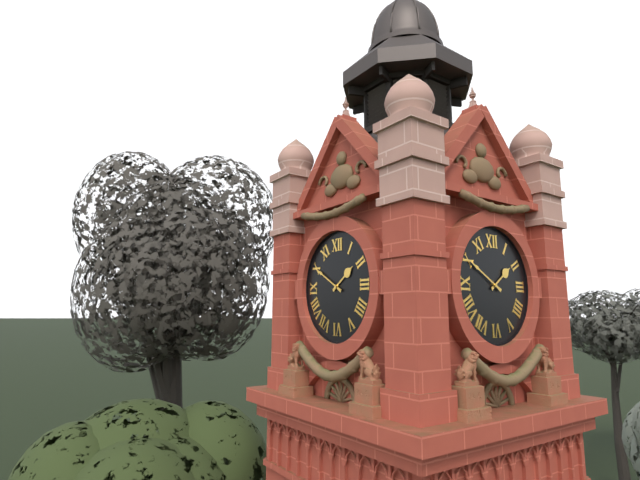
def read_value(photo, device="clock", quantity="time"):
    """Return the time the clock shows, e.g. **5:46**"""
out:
**1:50**
